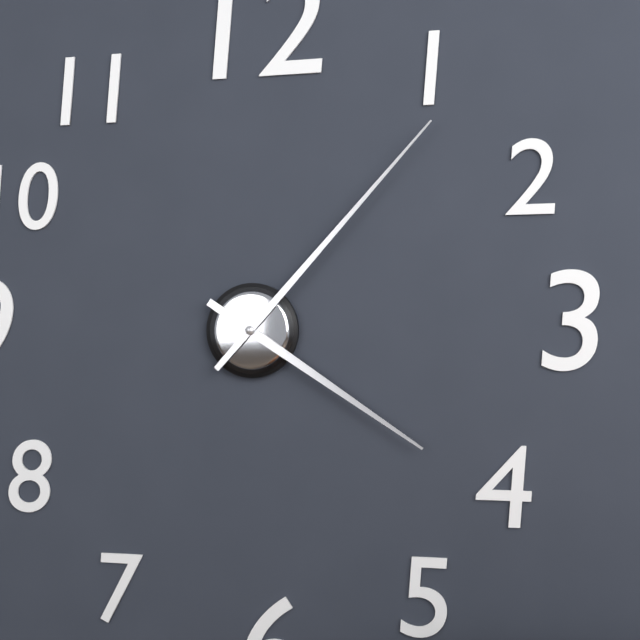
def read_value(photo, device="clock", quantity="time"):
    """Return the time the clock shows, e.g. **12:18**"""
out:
**4:07**
